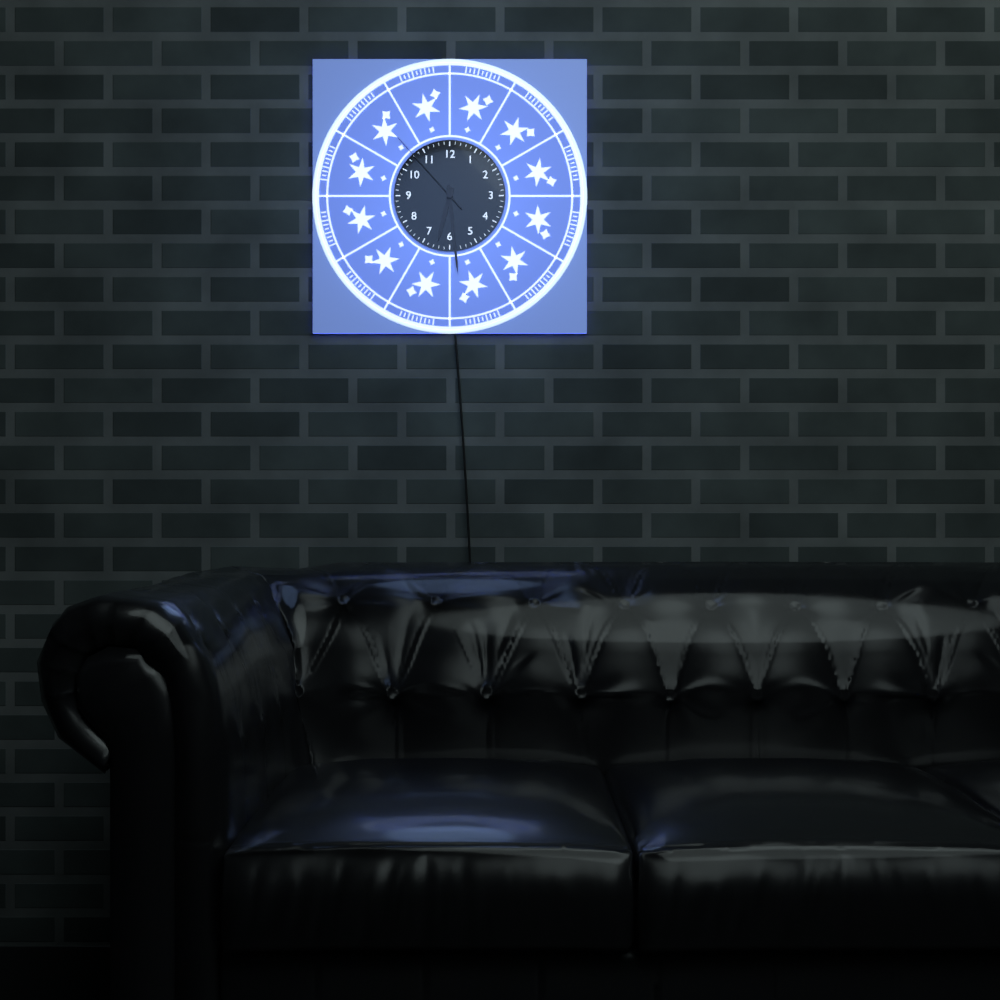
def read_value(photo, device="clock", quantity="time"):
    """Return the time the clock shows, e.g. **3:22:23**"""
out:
**6:29:53**
